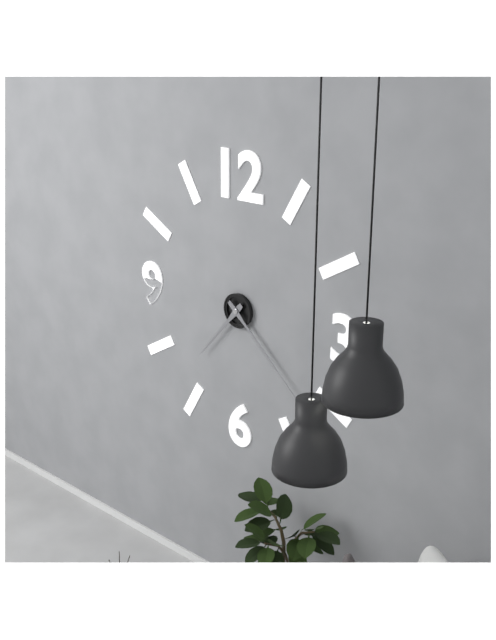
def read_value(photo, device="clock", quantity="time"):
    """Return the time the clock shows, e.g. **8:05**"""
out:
**7:22**
